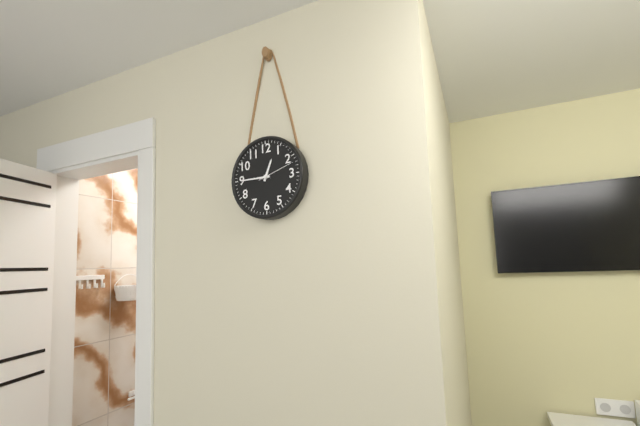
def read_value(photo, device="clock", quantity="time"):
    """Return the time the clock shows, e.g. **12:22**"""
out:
**12:45**
